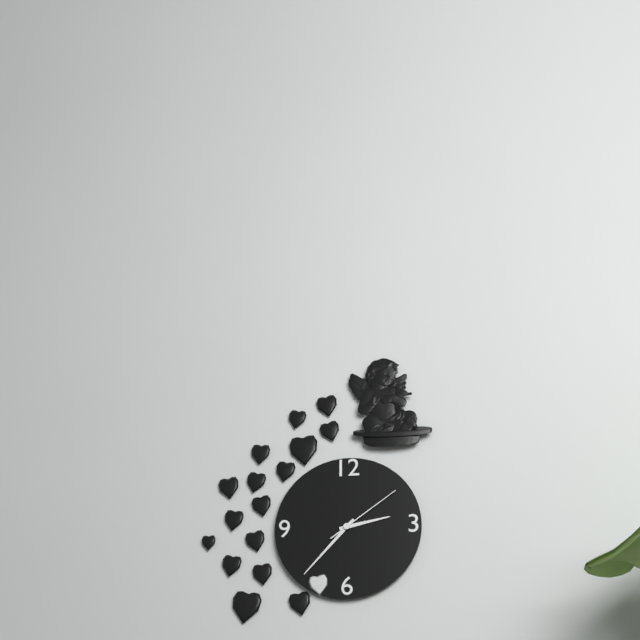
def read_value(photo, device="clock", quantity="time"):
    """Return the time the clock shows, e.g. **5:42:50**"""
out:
**2:37:09**
